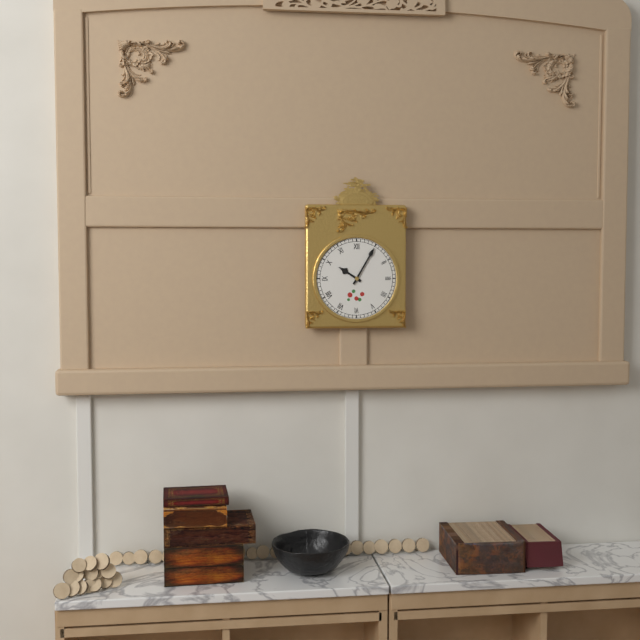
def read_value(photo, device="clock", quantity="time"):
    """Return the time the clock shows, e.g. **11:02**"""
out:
**10:05**
